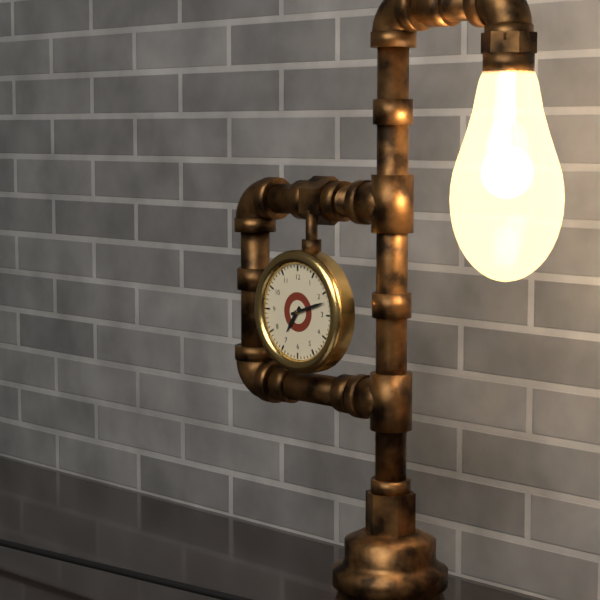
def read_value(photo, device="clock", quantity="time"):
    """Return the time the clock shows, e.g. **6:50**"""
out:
**7:12**
